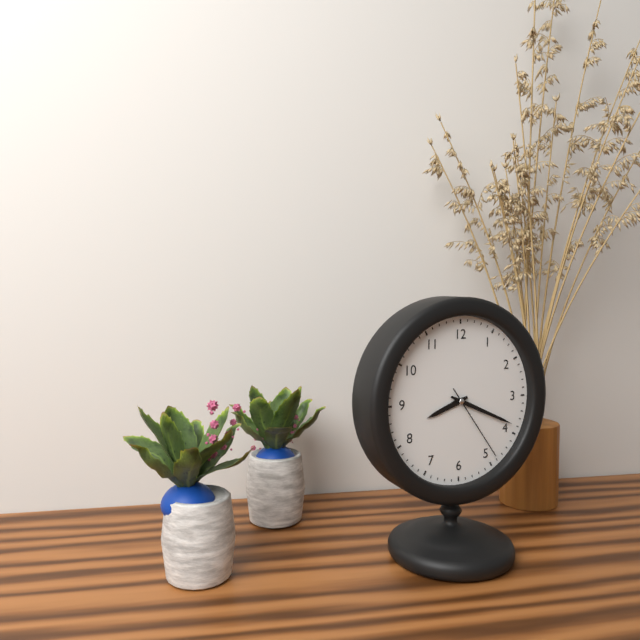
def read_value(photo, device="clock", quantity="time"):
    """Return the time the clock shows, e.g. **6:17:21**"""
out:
**8:19:24**
